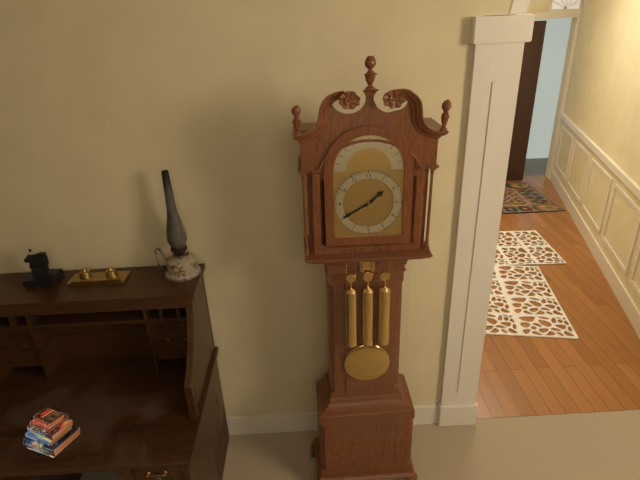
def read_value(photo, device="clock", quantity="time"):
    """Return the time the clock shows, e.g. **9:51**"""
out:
**1:40**
